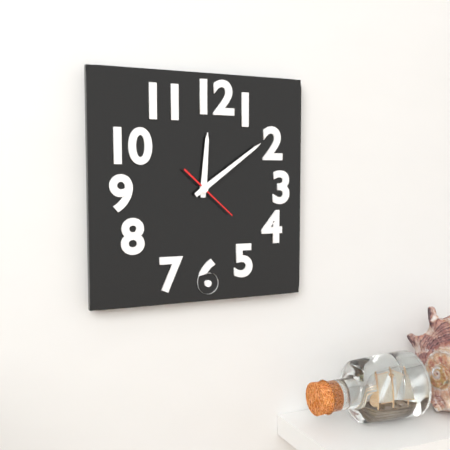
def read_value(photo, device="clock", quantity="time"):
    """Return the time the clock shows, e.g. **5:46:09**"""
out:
**12:09:22**
